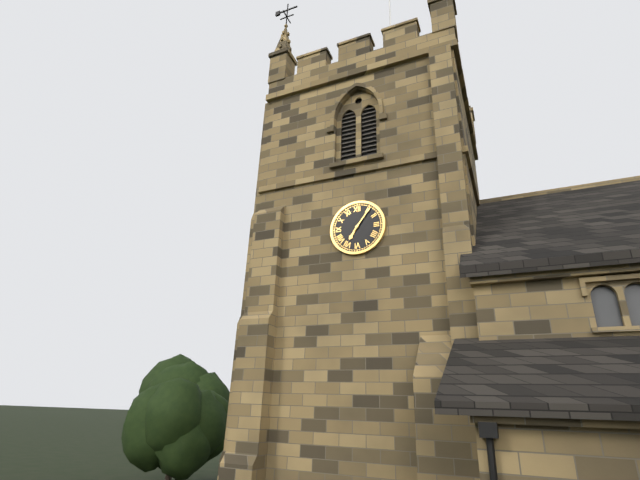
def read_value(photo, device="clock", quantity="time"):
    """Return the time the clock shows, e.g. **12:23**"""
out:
**7:06**
